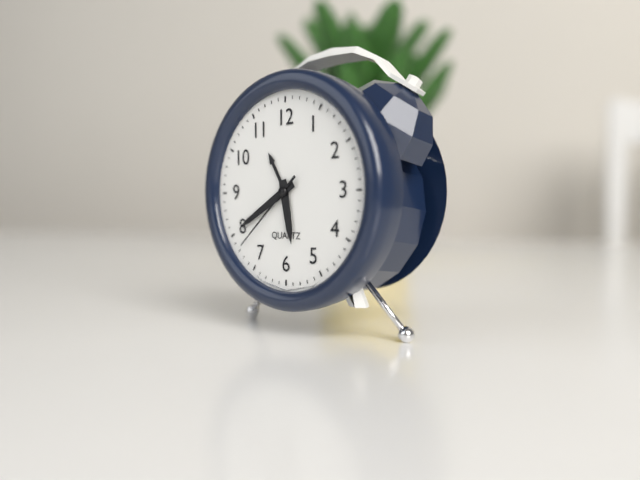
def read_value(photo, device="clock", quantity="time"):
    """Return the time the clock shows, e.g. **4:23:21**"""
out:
**5:40:38**
